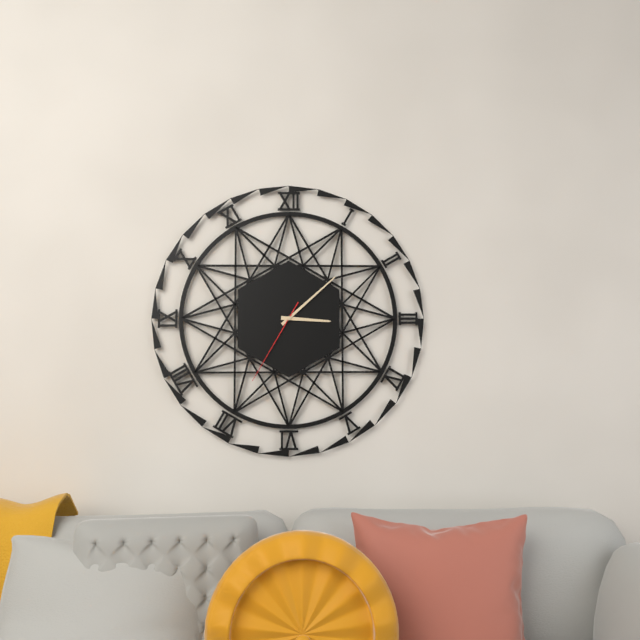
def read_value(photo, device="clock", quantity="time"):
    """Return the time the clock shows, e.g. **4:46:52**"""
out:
**3:08:35**
